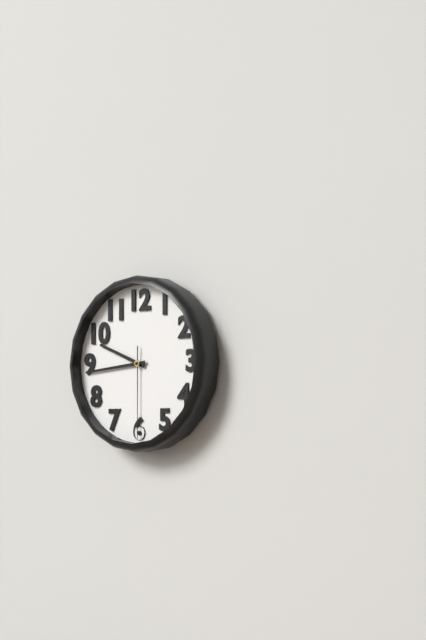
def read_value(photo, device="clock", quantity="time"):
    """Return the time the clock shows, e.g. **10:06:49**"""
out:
**9:44:30**
